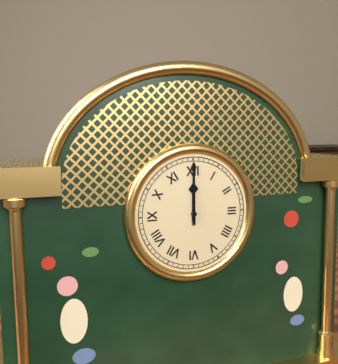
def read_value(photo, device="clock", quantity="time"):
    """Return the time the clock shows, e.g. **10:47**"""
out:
**12:00**
